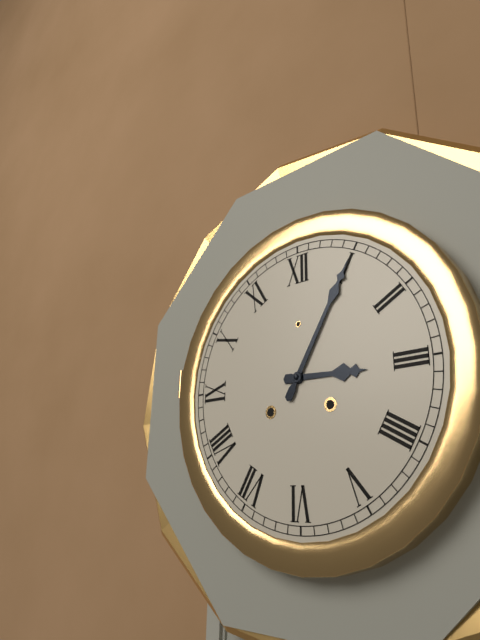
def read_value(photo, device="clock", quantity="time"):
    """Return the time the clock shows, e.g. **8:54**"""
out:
**3:05**
